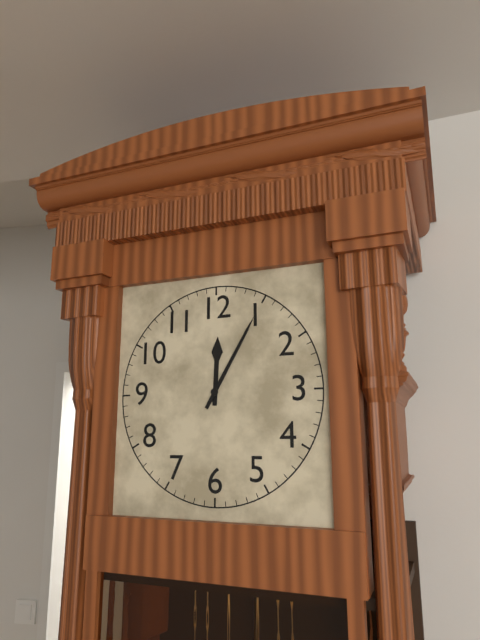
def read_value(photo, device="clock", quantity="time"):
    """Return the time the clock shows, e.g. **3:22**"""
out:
**12:05**
